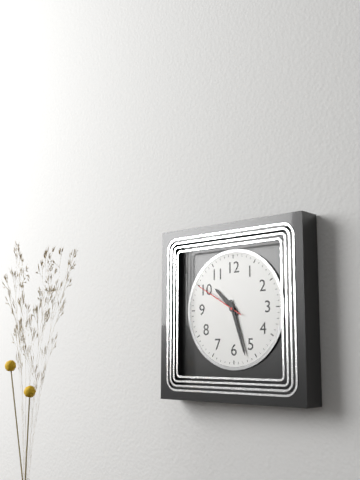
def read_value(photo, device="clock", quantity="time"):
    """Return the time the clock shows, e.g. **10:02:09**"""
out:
**10:27:50**
